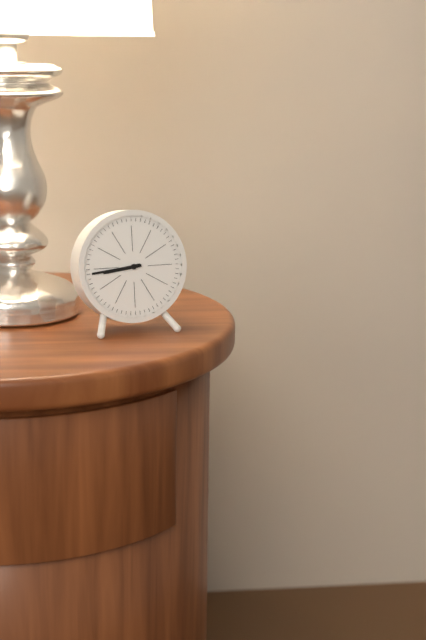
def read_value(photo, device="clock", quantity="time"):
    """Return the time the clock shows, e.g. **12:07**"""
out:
**8:44**
